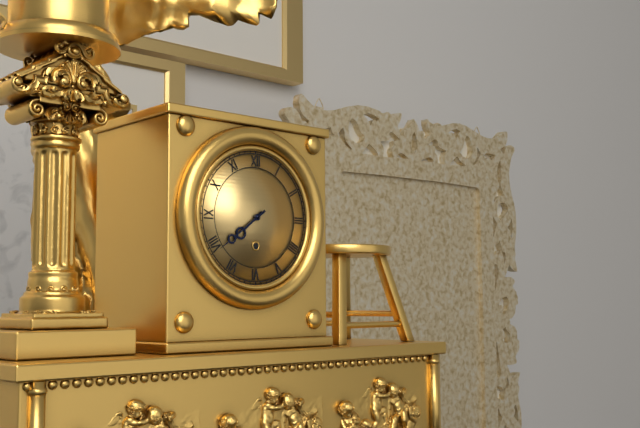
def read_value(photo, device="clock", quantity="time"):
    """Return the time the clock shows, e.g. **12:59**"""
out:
**7:39**
